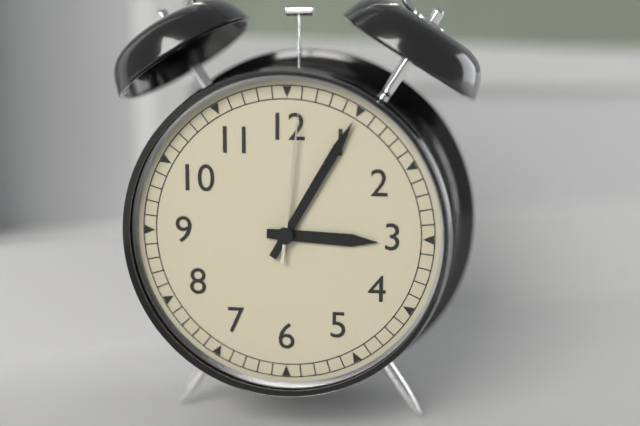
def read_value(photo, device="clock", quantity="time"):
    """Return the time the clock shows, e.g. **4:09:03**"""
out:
**3:05:01**
